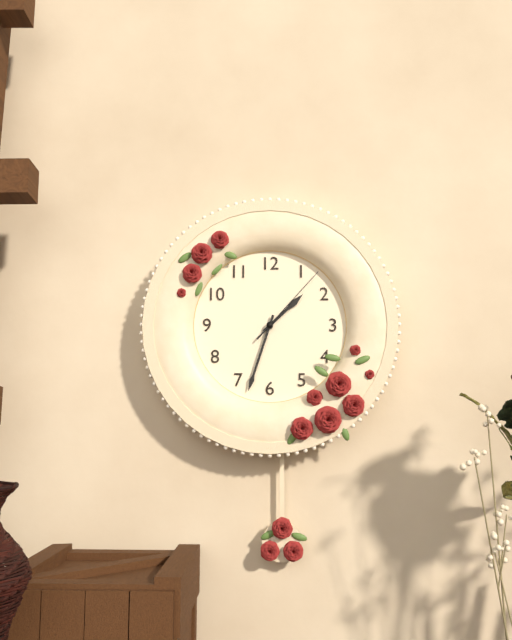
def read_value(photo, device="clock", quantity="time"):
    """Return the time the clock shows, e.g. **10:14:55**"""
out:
**1:33:07**
